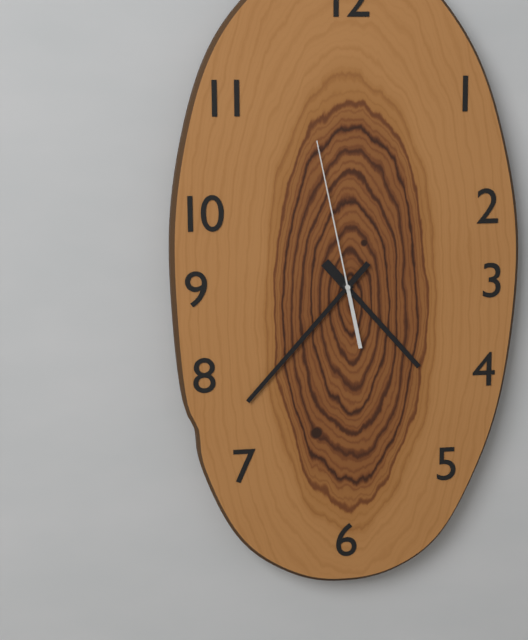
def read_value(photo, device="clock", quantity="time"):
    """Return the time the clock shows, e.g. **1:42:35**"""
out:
**4:37:58**
